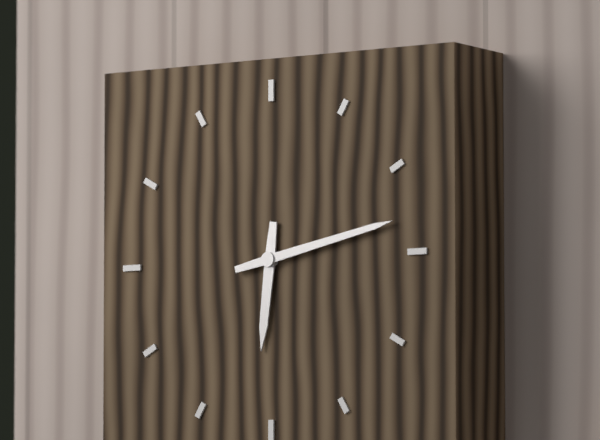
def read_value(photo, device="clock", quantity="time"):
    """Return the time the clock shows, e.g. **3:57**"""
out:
**6:13**
